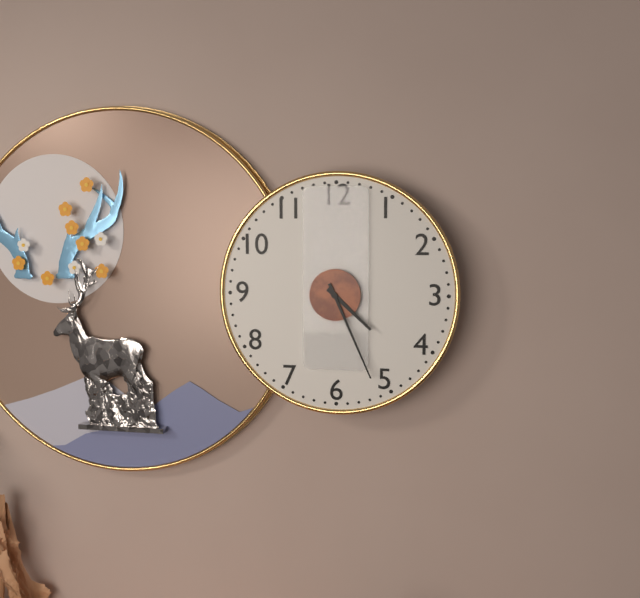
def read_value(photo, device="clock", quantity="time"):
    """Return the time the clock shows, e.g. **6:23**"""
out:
**4:26**
